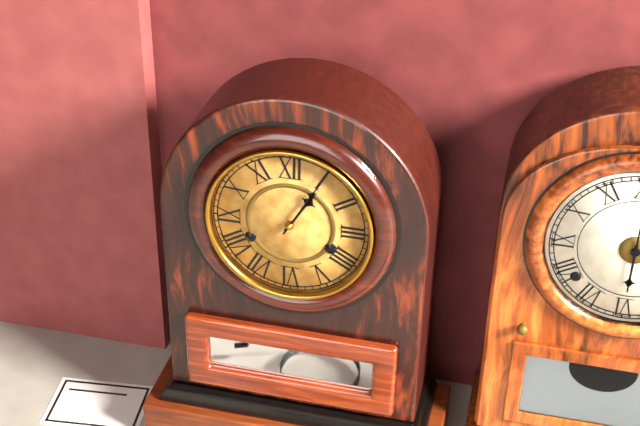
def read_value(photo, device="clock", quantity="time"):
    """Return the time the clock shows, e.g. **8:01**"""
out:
**1:05**
